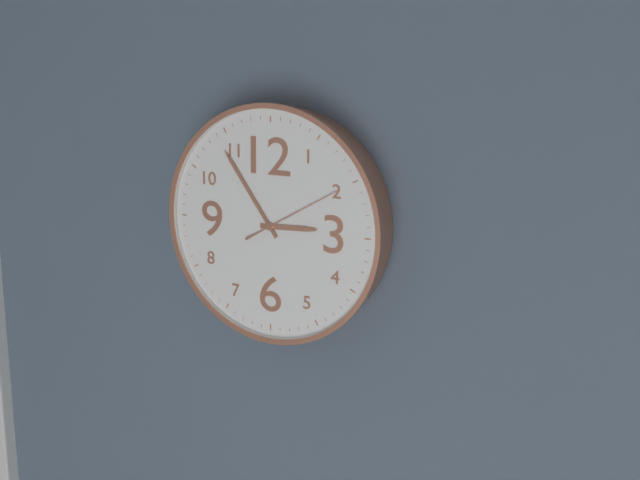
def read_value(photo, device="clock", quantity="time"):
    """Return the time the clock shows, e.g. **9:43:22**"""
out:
**2:54:10**
